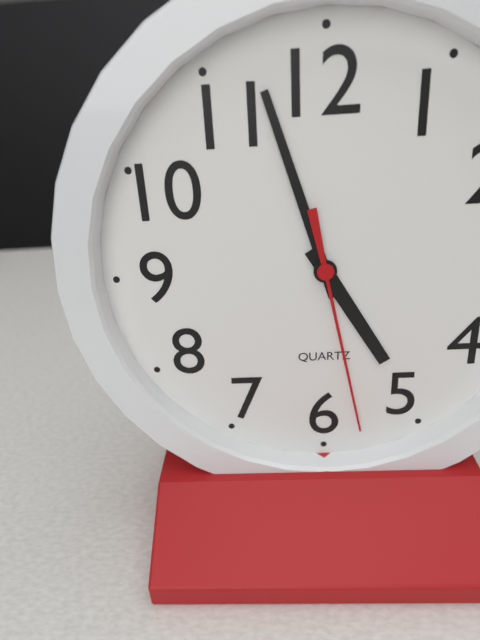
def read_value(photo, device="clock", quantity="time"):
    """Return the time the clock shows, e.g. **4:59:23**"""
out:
**4:57:28**
